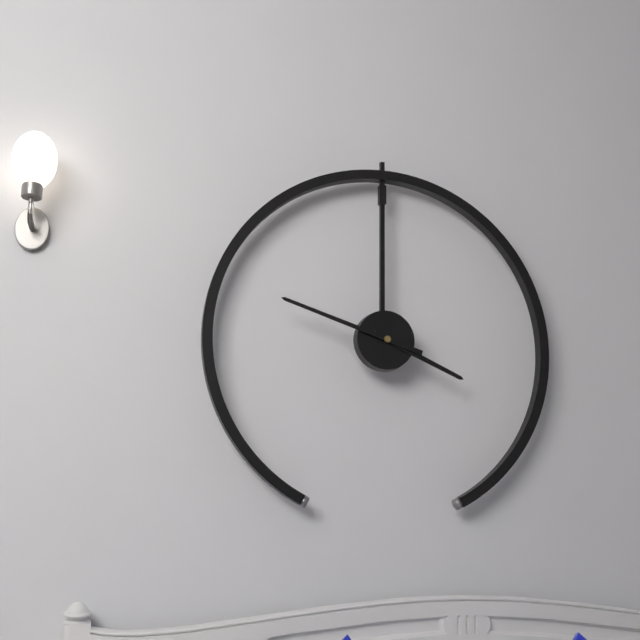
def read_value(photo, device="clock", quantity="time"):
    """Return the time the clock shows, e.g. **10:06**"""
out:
**3:48**
